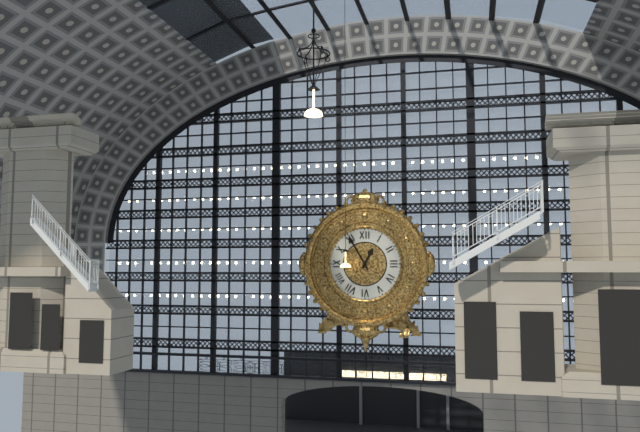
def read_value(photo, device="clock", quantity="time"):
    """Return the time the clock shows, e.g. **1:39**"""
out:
**12:55**
